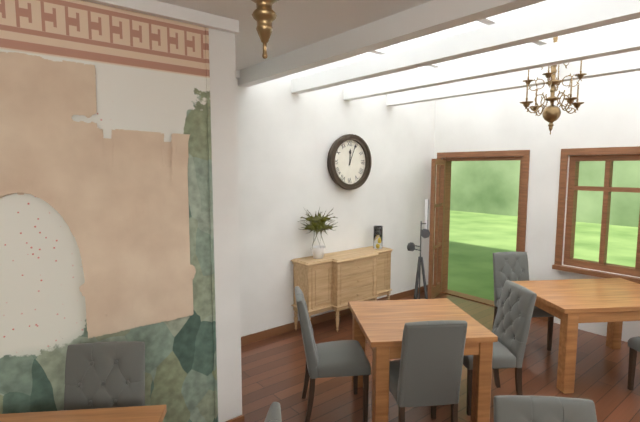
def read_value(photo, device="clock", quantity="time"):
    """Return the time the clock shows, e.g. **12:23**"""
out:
**12:04**
